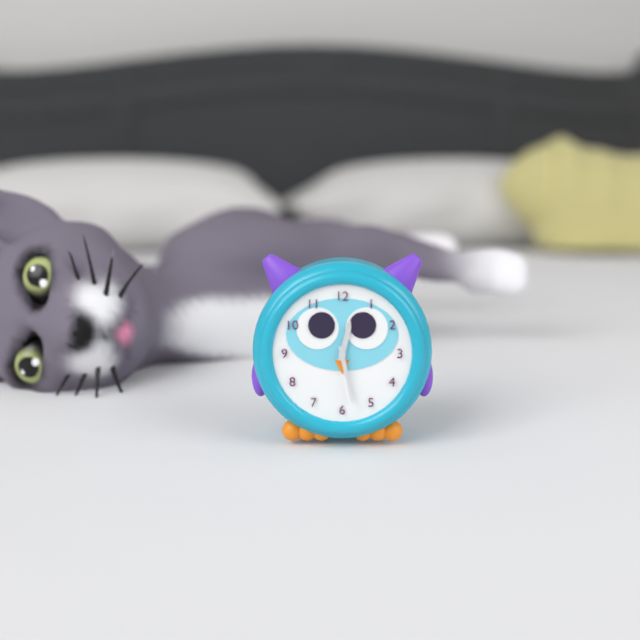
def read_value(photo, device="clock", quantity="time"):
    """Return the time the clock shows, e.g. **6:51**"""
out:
**12:28**
